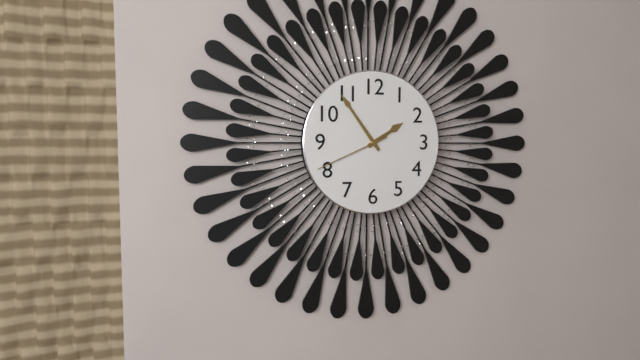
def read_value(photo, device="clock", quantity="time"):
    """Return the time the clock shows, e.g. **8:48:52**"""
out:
**1:54:41**
